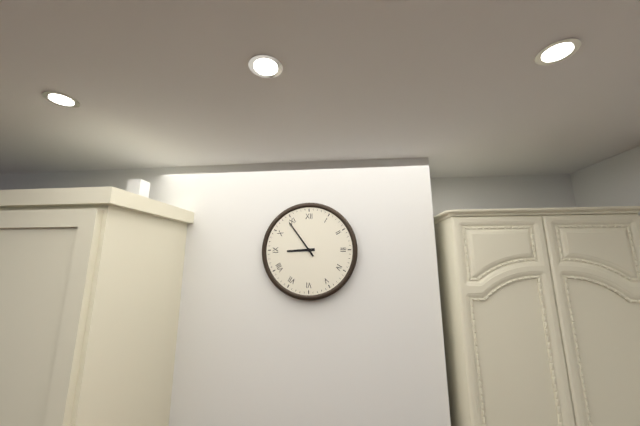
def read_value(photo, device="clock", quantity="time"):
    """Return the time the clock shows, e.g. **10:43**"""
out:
**8:54**
